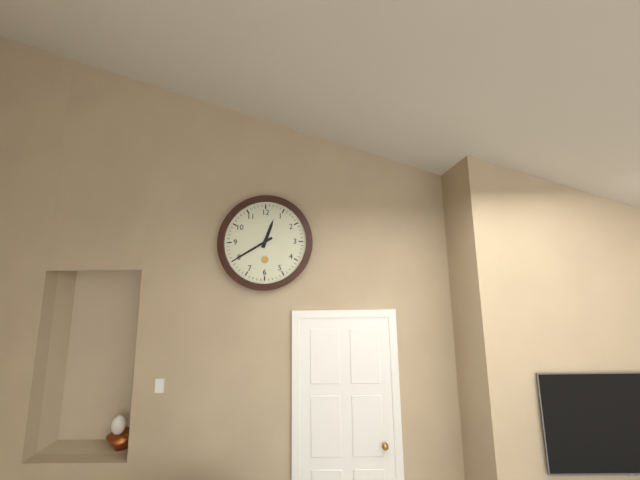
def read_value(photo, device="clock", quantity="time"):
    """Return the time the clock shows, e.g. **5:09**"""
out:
**12:40**
